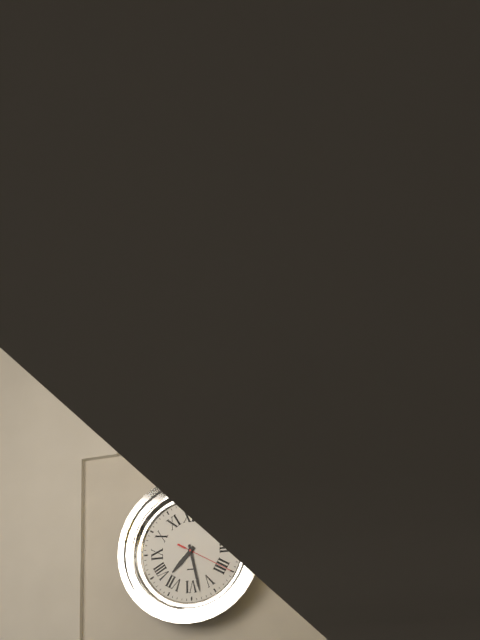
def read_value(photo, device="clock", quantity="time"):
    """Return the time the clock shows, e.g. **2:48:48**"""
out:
**7:28:20**
